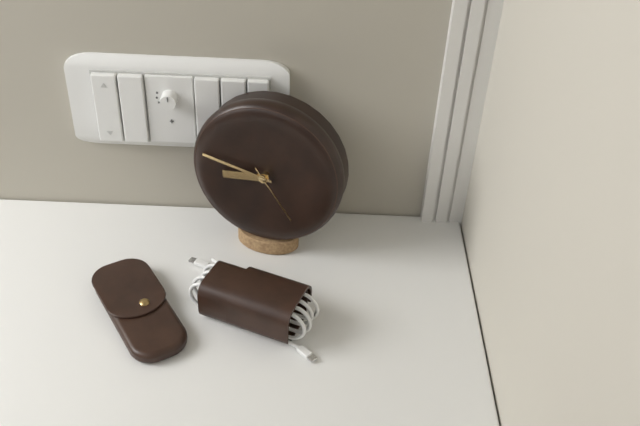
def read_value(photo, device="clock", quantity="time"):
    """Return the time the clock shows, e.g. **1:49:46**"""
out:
**8:47:24**
